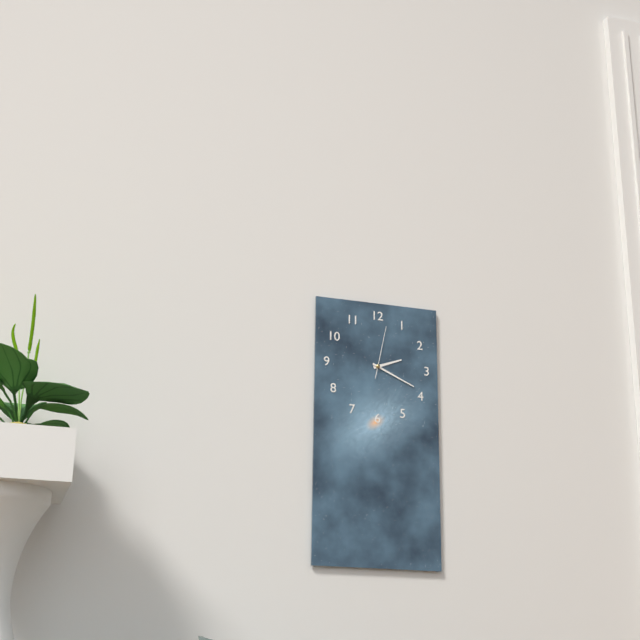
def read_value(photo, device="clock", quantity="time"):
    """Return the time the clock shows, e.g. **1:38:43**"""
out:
**2:19:02**
